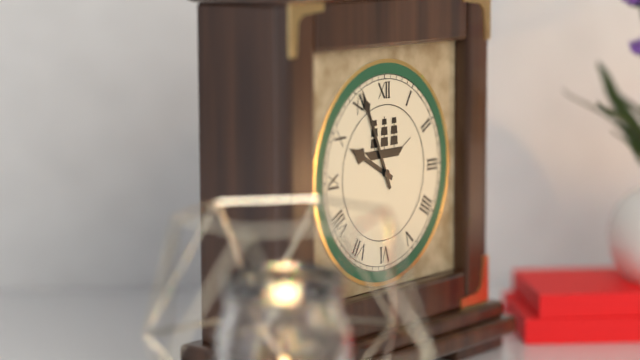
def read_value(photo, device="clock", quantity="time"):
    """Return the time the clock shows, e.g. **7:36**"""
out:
**9:56**
